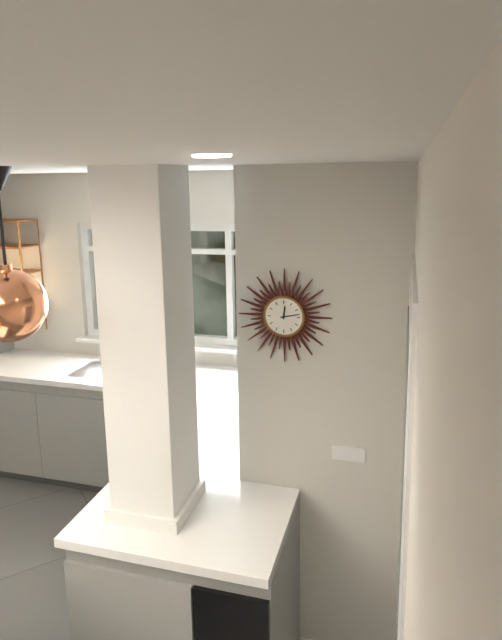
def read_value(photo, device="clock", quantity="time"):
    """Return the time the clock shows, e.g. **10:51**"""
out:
**12:13**
